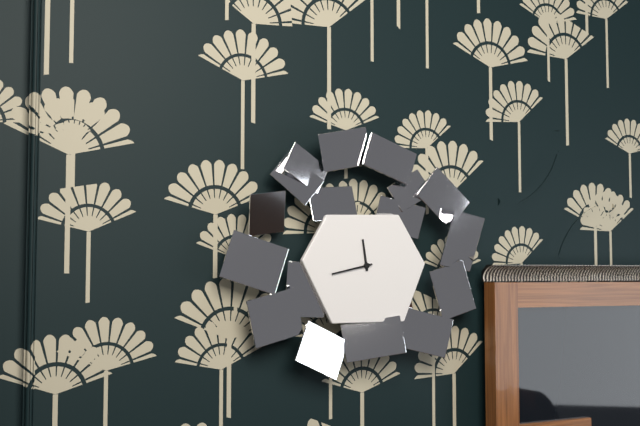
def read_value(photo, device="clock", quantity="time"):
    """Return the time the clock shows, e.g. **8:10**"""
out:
**11:43**
